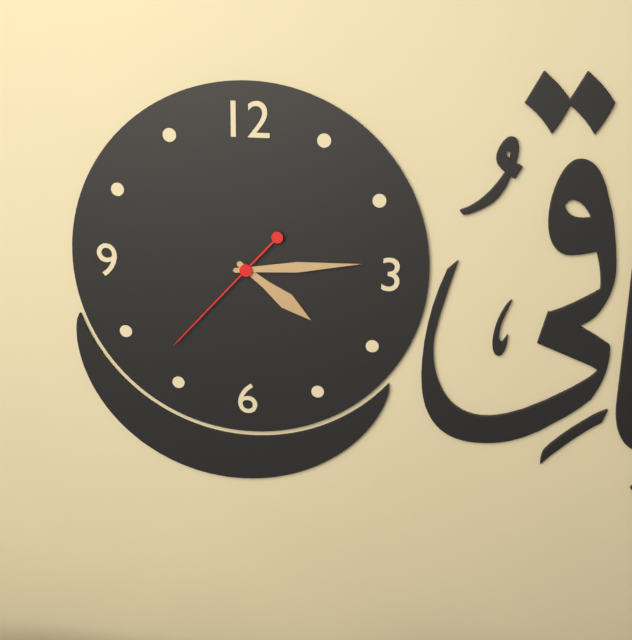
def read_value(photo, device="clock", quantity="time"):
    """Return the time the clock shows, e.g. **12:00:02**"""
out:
**4:14:37**
